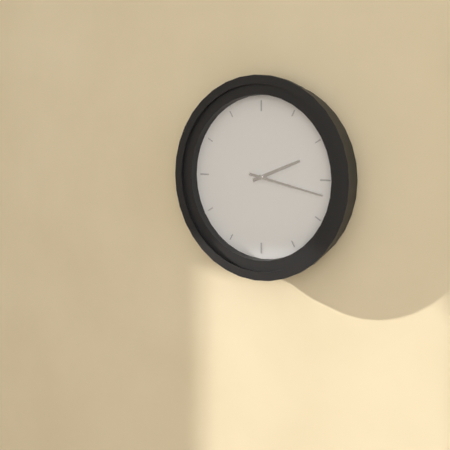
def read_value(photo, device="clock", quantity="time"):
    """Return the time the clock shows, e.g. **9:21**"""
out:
**2:17**
